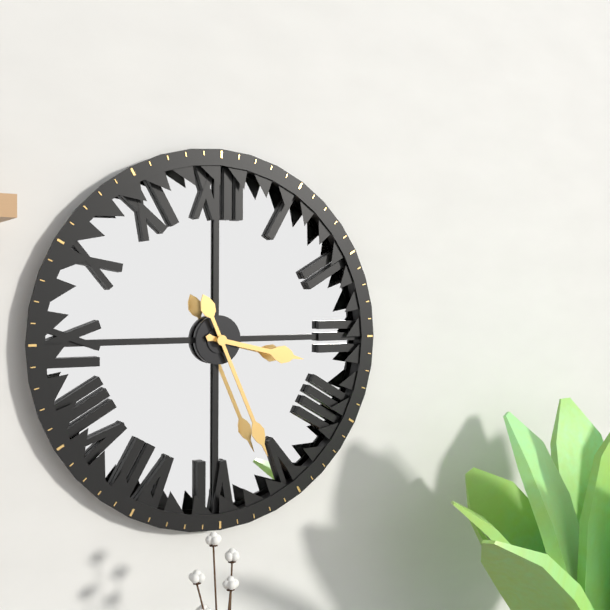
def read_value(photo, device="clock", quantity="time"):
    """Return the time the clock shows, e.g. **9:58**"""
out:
**3:26**
